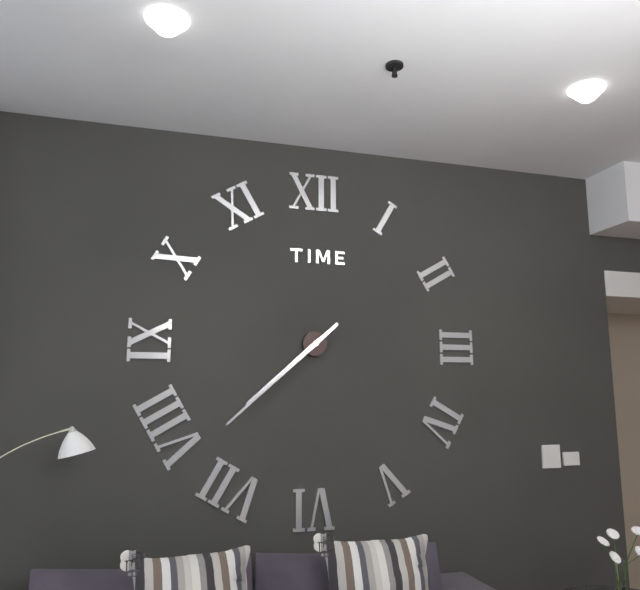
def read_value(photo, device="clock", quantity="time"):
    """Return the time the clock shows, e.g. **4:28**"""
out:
**7:38**
